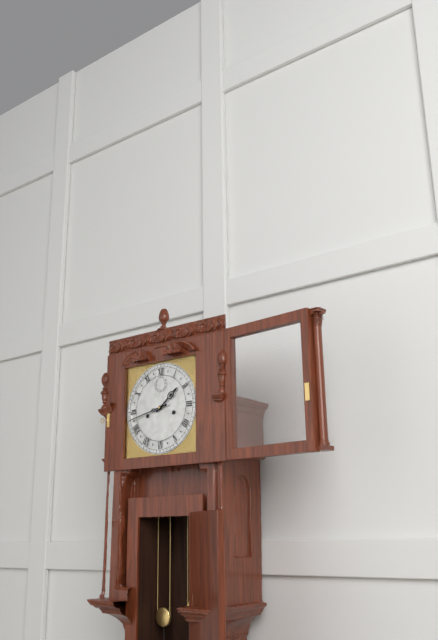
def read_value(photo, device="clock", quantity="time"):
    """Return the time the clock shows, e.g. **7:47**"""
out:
**1:43**
